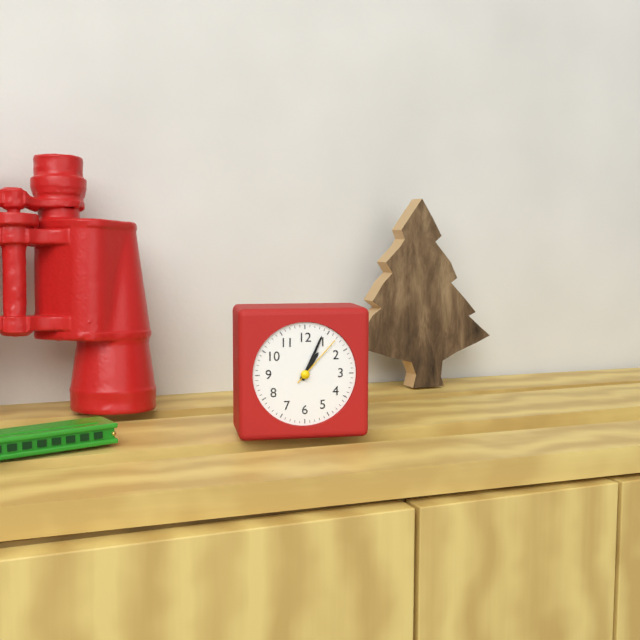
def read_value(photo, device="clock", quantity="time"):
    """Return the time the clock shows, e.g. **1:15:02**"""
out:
**1:04:07**
